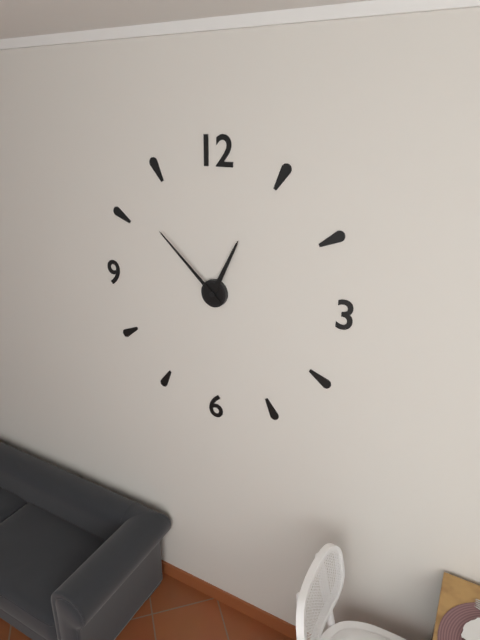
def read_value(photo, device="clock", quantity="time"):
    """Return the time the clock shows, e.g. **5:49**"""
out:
**12:52**
